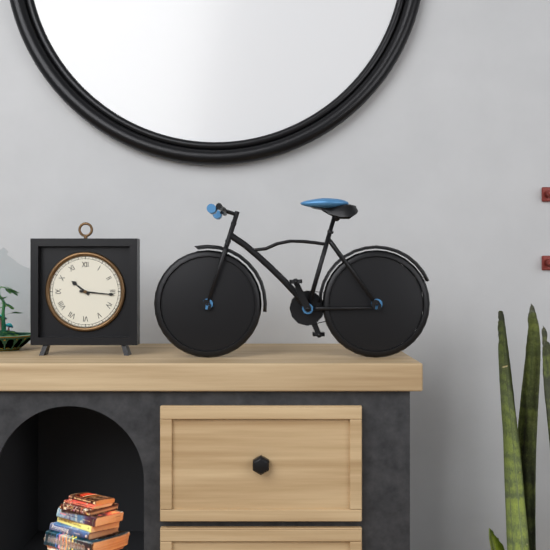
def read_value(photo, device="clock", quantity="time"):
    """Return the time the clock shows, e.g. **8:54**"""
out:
**10:16**
